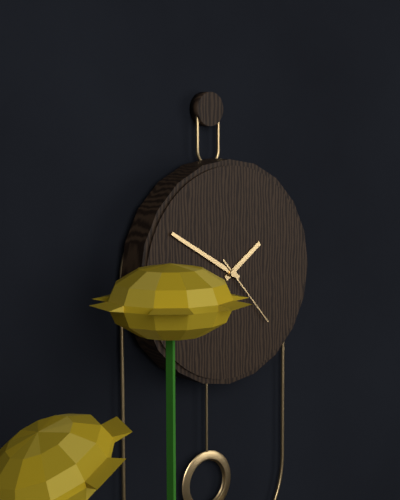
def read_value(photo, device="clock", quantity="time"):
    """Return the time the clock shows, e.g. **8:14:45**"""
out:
**1:50:23**
